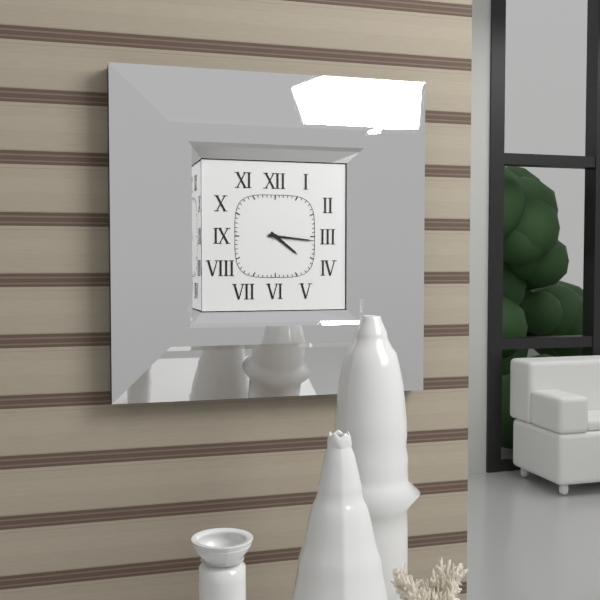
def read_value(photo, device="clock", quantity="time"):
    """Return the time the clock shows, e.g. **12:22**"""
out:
**4:16**
